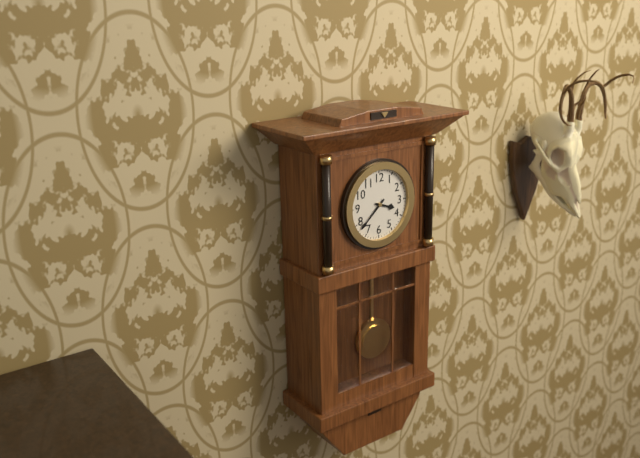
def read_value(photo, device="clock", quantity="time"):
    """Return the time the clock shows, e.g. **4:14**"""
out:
**3:38**
